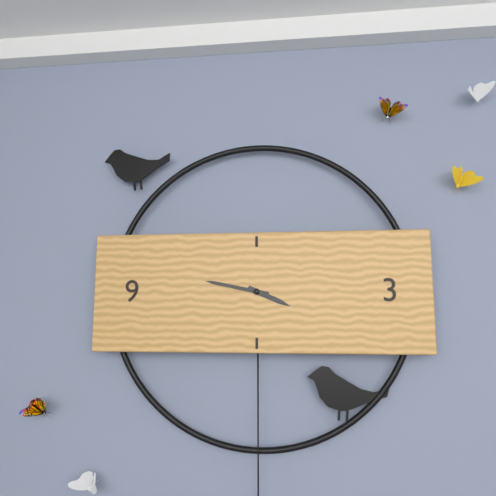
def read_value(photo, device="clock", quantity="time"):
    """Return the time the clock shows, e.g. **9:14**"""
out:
**3:47**
